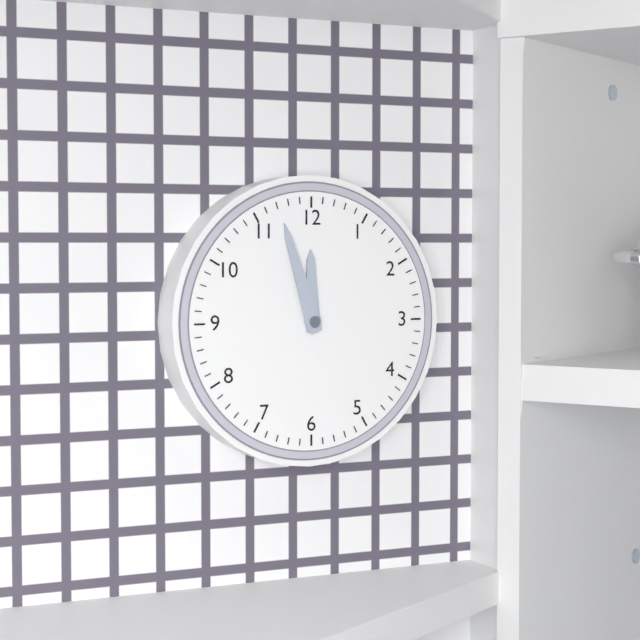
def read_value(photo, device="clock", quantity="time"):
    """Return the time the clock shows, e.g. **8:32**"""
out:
**11:57**
